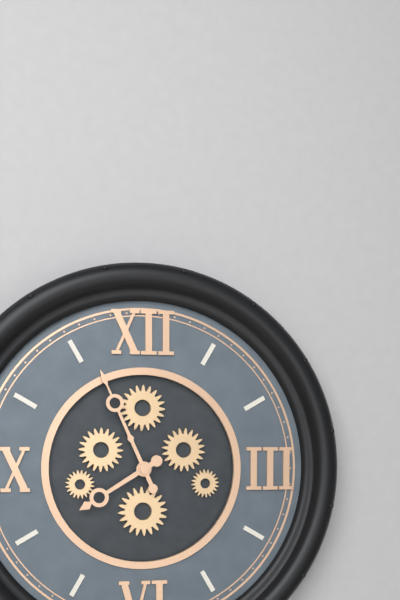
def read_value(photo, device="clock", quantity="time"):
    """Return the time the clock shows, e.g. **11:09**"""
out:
**7:56**
